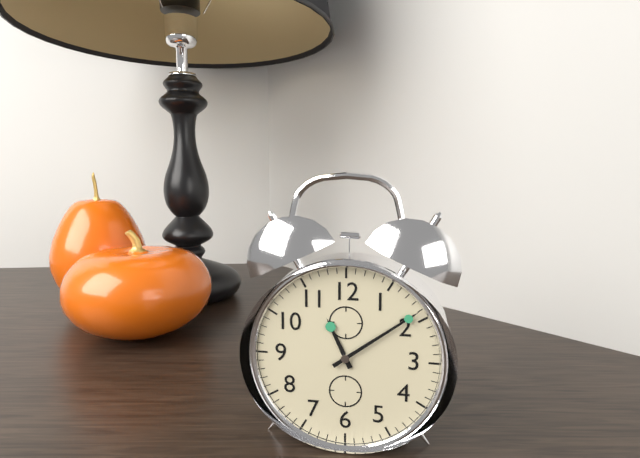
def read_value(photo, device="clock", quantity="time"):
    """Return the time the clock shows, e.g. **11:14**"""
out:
**11:09**
